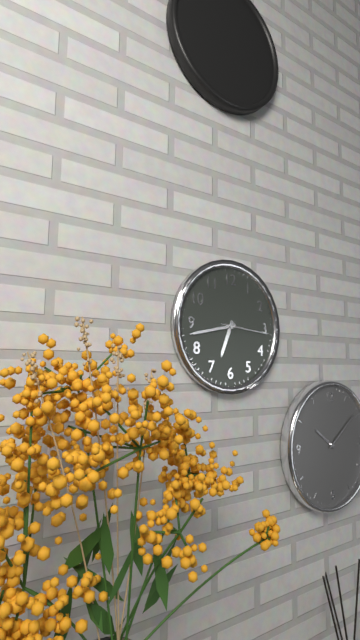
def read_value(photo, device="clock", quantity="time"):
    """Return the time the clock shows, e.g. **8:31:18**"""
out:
**6:43:16**
